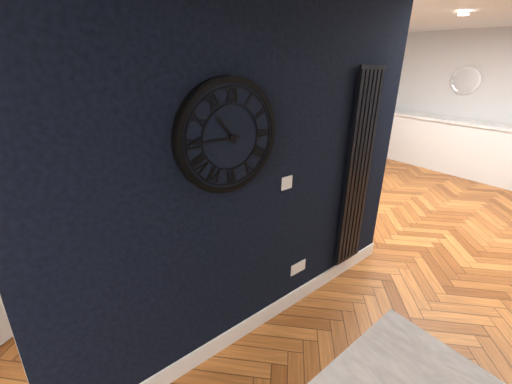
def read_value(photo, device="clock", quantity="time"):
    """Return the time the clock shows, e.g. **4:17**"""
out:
**10:45**
